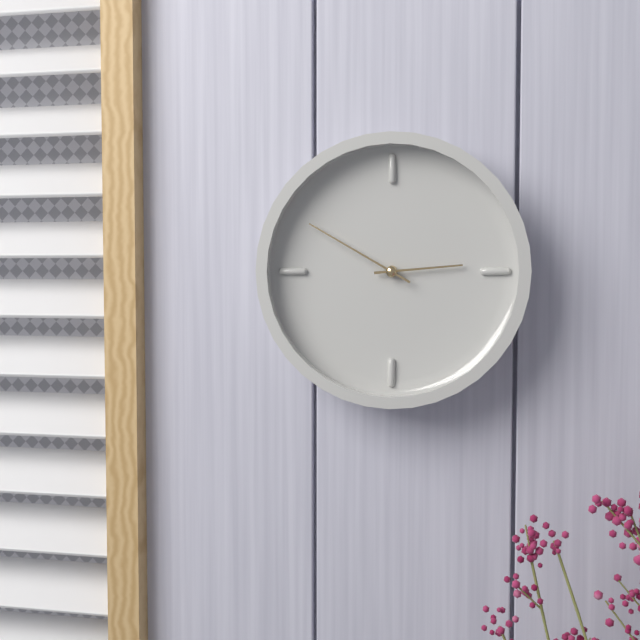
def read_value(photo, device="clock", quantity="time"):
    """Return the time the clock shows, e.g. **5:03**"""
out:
**2:50**
